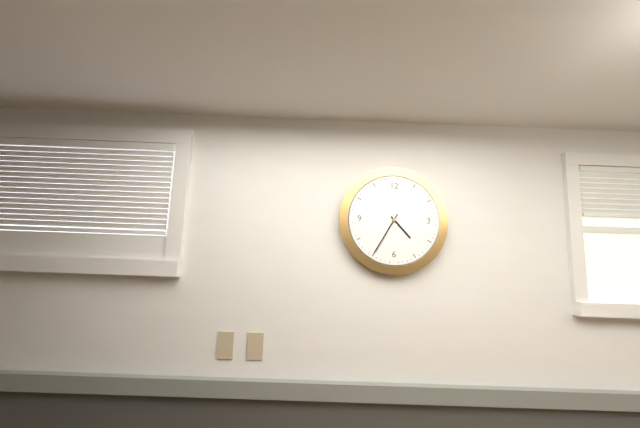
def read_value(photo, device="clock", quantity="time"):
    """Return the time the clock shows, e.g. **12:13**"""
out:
**4:35**
